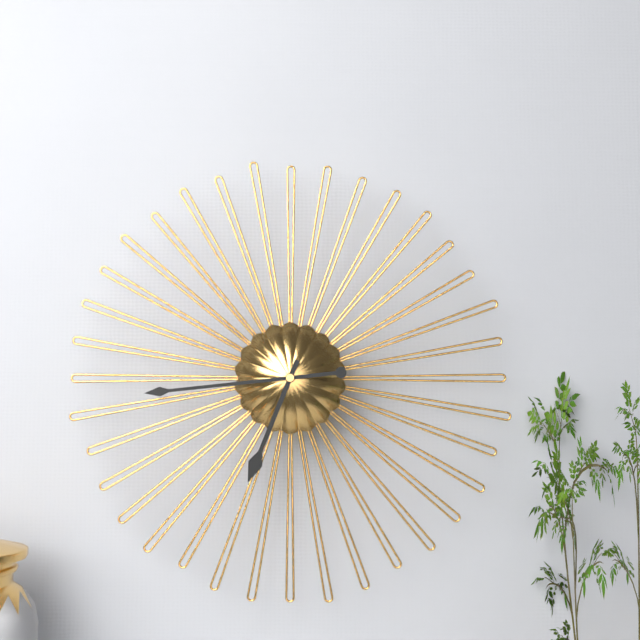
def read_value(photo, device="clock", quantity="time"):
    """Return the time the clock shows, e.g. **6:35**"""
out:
**6:44**
